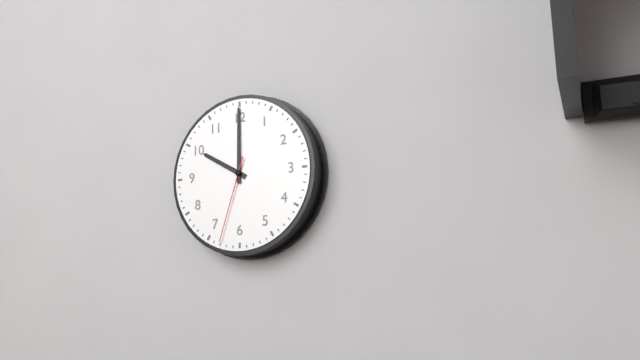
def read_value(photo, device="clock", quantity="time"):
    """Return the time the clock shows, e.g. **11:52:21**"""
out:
**10:00:33**
